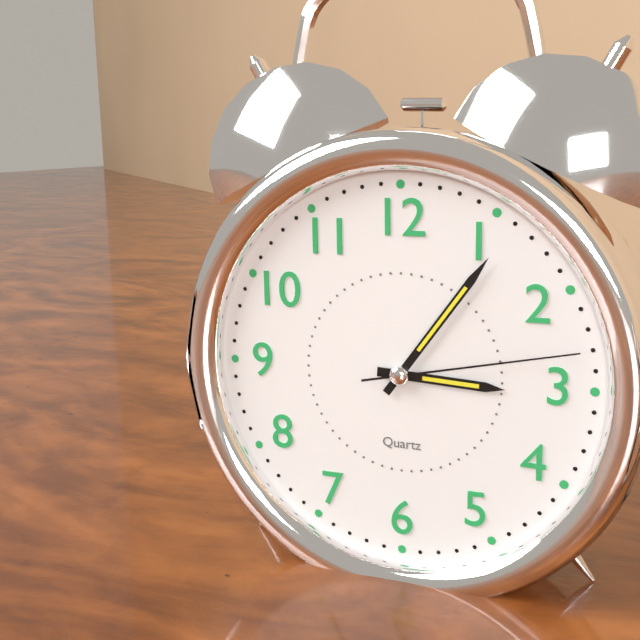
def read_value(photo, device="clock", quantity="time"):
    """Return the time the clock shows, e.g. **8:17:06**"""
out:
**3:06:13**
